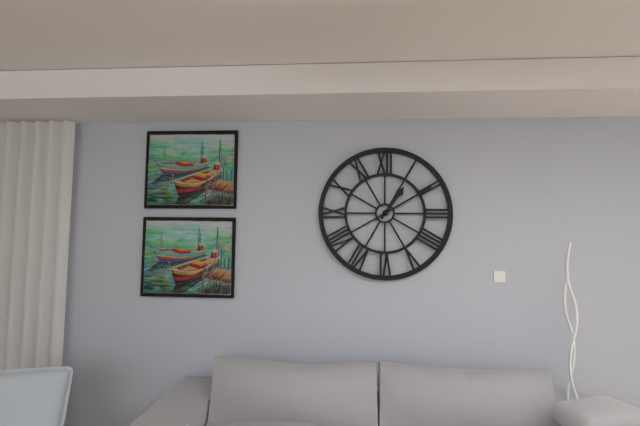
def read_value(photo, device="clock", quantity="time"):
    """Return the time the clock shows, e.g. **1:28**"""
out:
**1:10**
